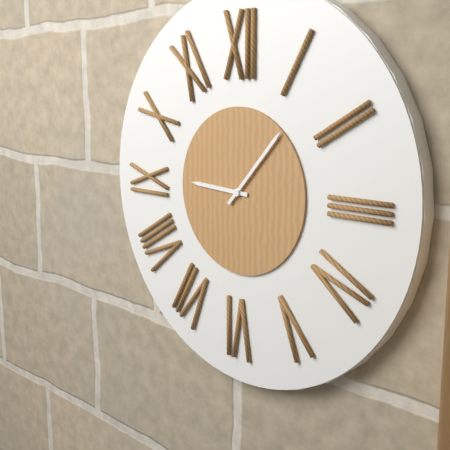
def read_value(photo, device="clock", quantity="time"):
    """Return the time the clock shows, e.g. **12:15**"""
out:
**9:07**
